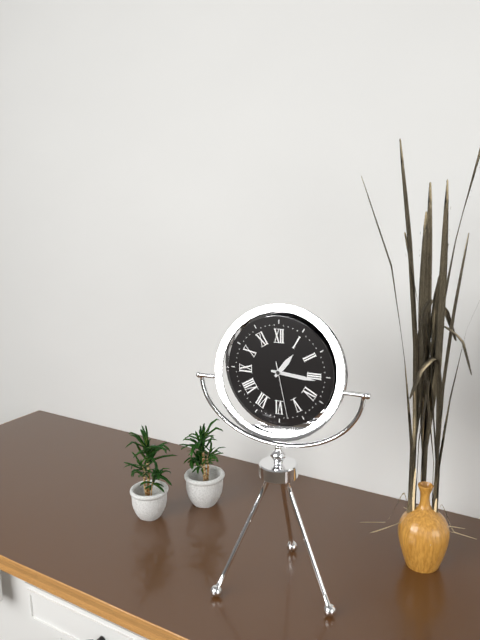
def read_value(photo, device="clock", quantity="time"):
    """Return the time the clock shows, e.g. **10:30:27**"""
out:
**1:16:28**
